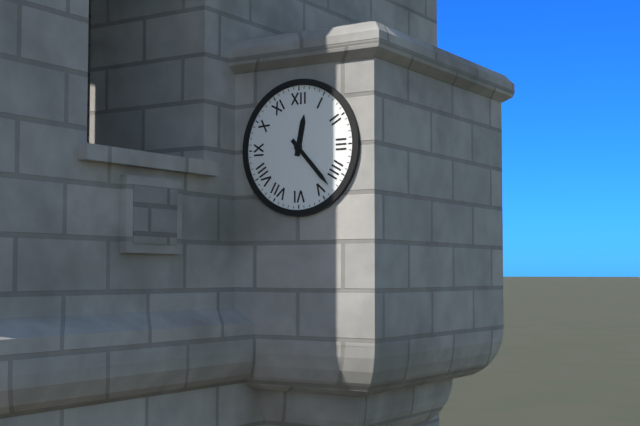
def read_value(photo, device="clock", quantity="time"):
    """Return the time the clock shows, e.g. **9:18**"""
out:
**12:23**
